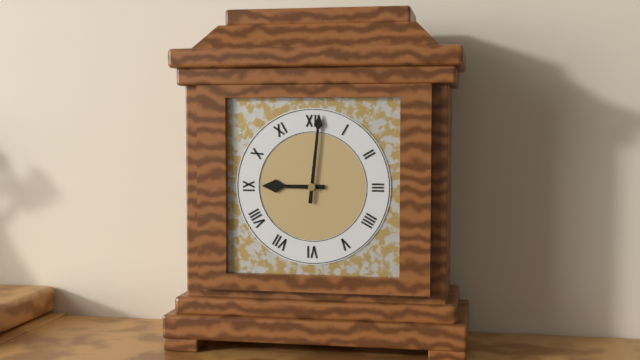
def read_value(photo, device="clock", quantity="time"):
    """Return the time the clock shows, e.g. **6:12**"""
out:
**9:01**
